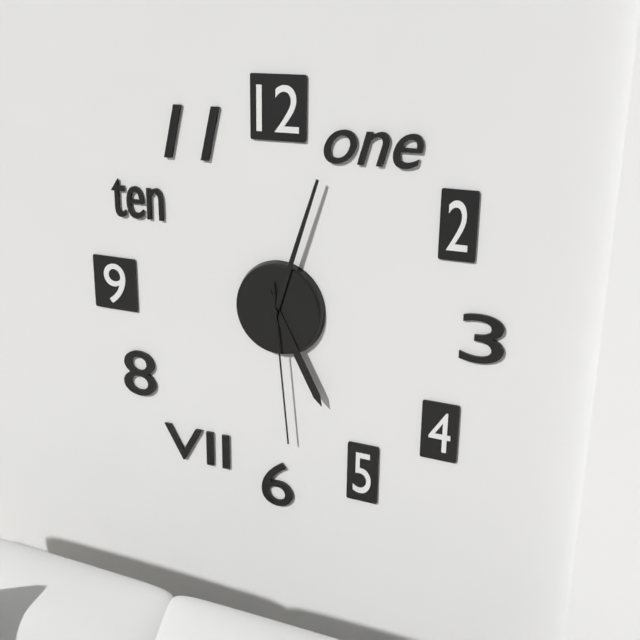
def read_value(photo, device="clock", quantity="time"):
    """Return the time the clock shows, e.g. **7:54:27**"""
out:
**5:03:29**
